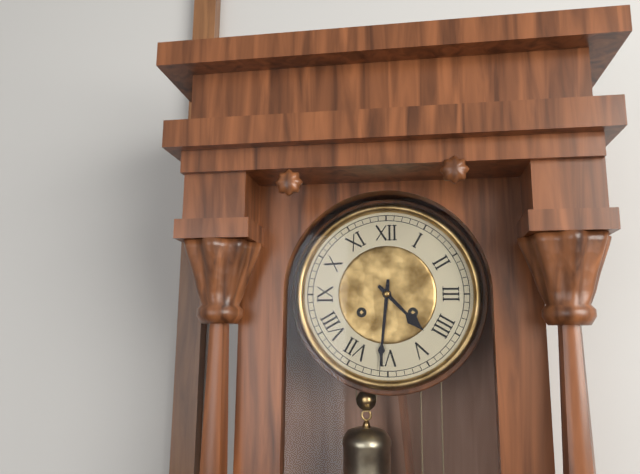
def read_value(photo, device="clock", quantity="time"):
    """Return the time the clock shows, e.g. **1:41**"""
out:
**4:31**
